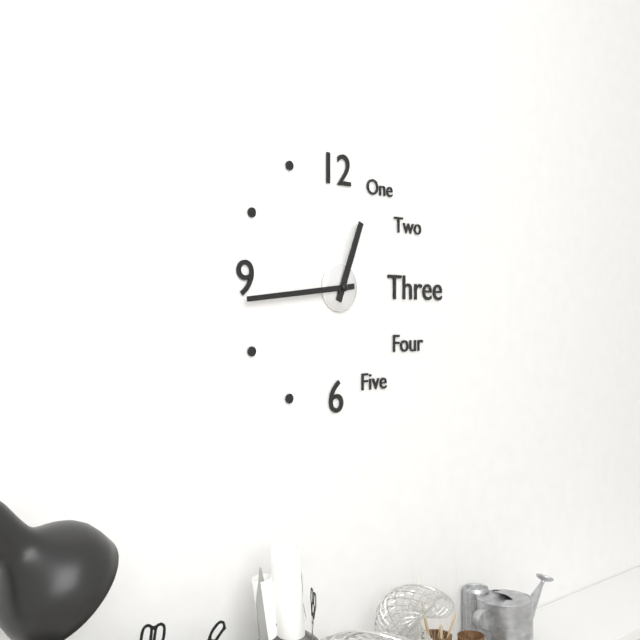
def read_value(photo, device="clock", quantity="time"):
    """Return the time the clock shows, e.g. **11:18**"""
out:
**12:44**
